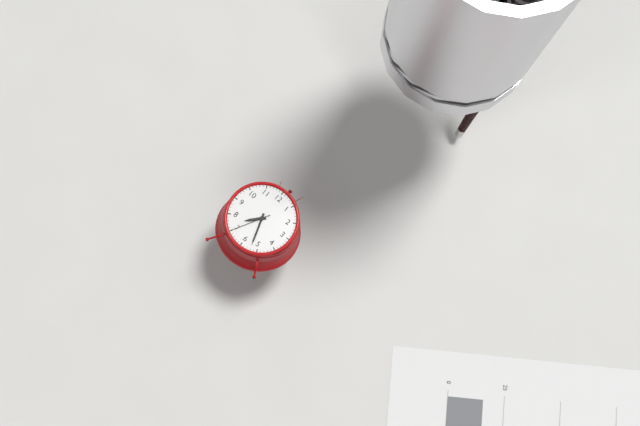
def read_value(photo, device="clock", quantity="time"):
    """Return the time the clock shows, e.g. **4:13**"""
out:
**7:27**
